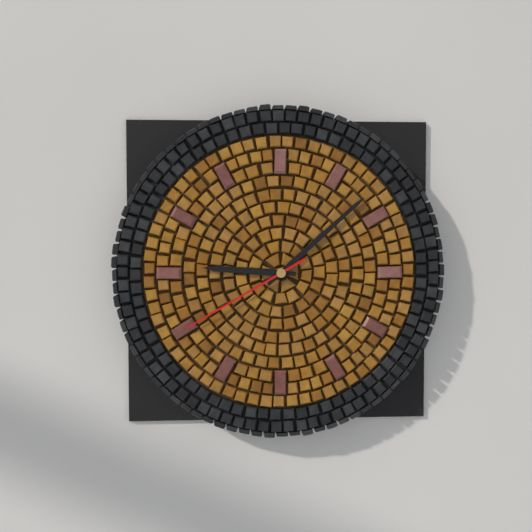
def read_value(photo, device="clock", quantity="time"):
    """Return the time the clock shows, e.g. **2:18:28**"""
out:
**9:08:40**
